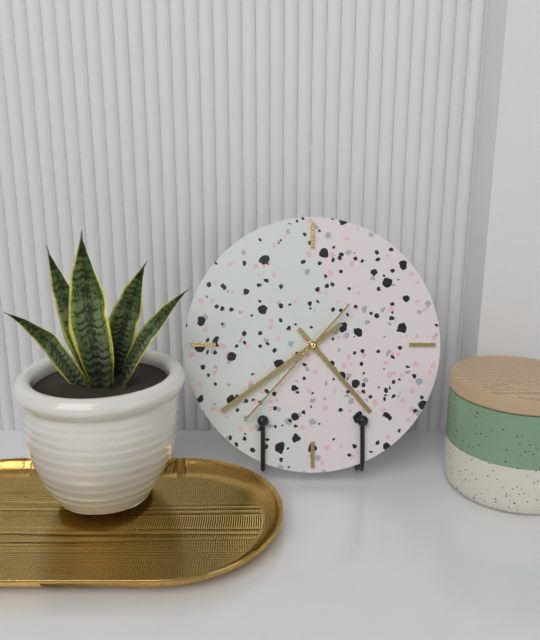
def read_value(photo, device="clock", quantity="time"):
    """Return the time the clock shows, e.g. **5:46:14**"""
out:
**4:39:37**
